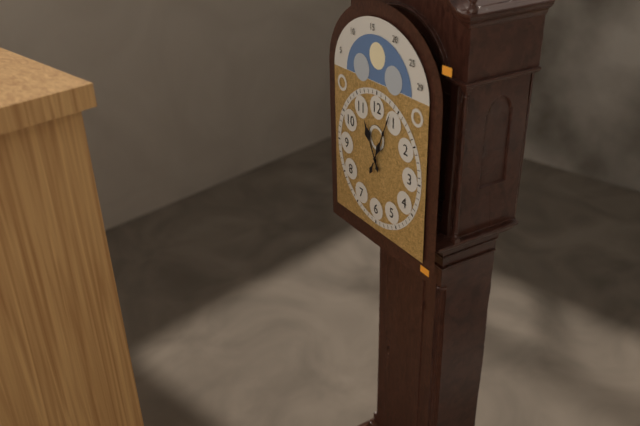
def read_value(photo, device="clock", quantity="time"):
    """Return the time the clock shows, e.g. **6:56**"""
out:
**11:04**
